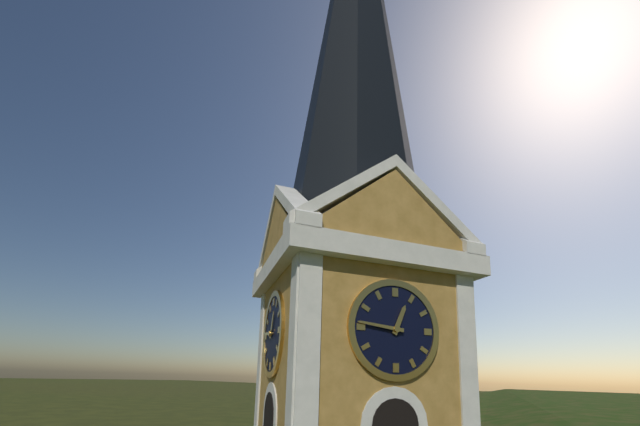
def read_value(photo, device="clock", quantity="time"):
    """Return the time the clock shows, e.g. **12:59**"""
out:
**12:46**
